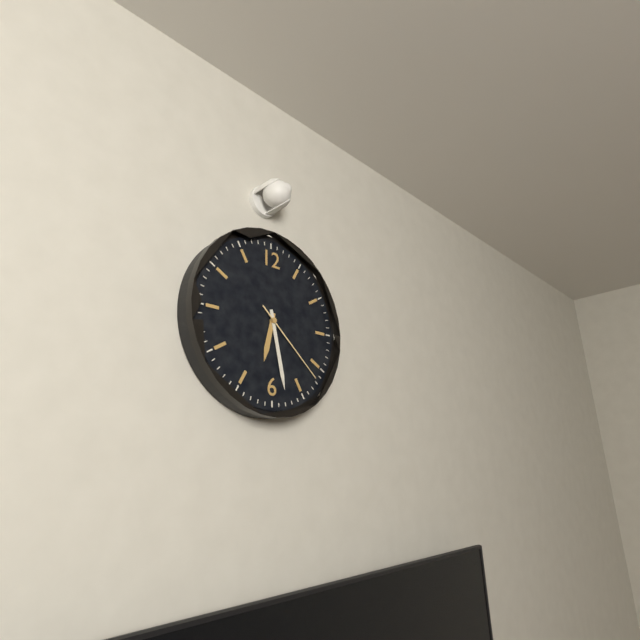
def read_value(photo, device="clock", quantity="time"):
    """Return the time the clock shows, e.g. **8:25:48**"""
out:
**6:28:22**
